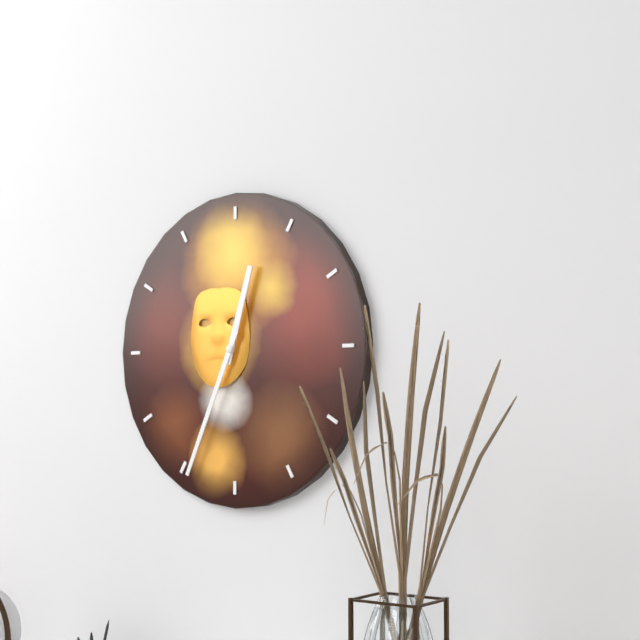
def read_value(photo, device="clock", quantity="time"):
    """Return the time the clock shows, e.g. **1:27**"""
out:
**12:34**
